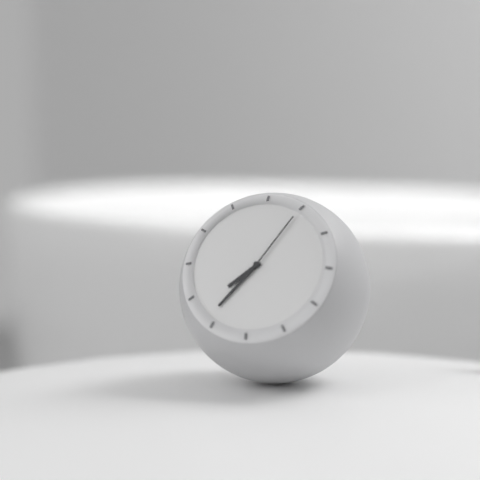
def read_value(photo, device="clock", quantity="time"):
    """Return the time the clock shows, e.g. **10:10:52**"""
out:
**7:36:05**
